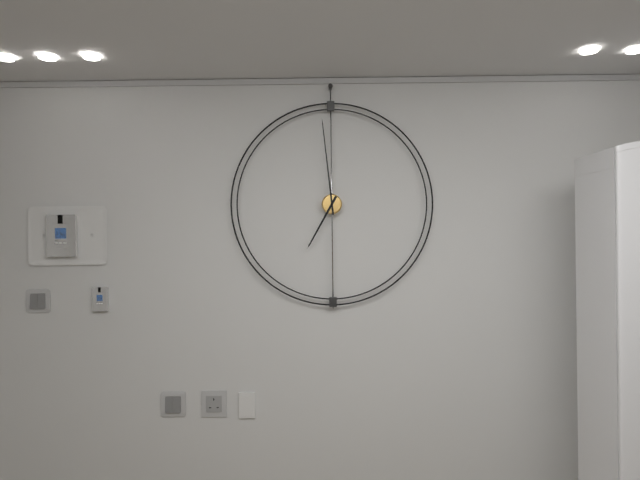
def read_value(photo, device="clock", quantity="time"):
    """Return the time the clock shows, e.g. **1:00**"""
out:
**6:59**
